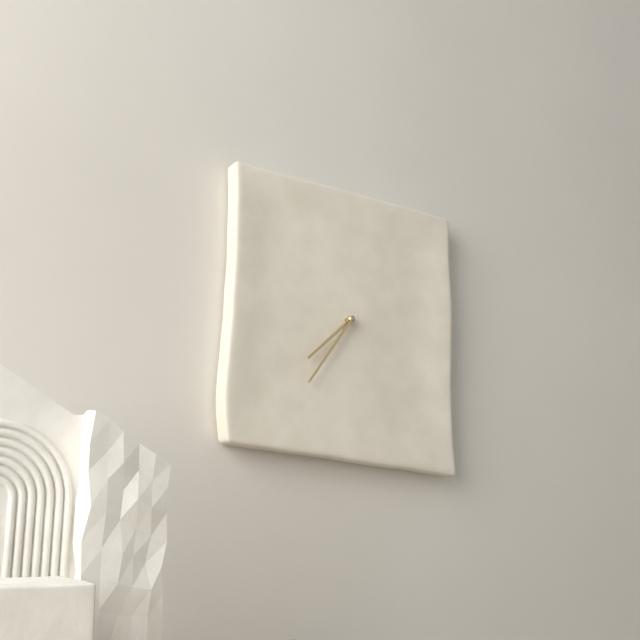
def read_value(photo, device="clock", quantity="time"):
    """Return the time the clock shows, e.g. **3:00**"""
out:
**7:36**
